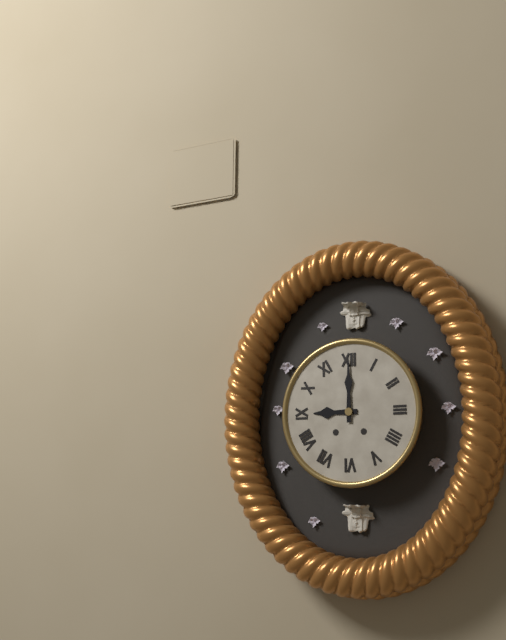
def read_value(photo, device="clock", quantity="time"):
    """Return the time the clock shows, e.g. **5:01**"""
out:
**9:00**
